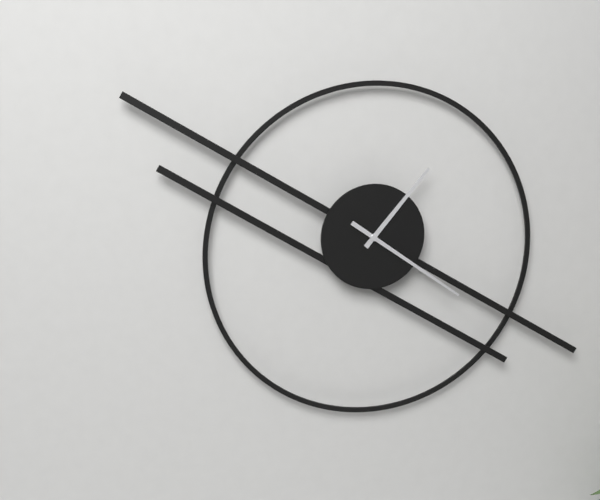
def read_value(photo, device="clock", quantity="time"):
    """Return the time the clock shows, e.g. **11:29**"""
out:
**1:21**
